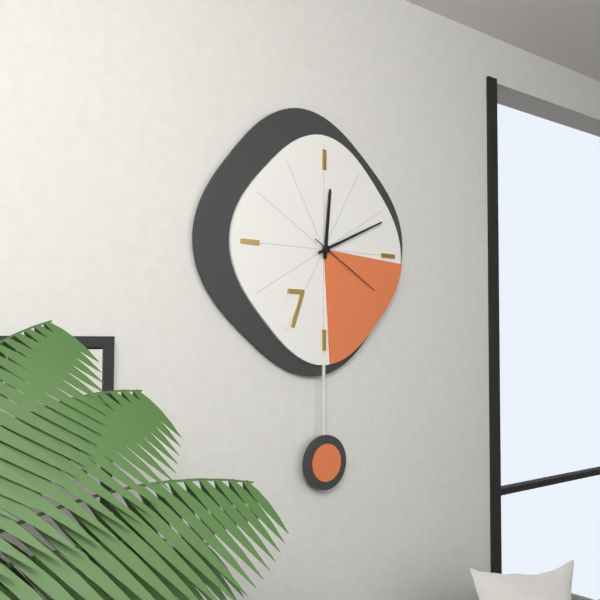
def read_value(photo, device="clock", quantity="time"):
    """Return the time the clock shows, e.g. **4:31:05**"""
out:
**12:11:20**
